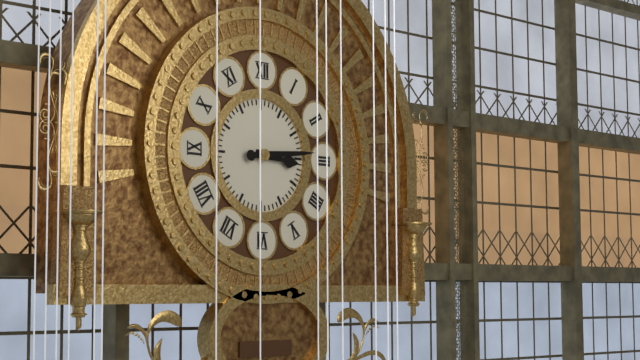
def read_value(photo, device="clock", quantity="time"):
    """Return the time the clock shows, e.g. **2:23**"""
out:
**3:14**
